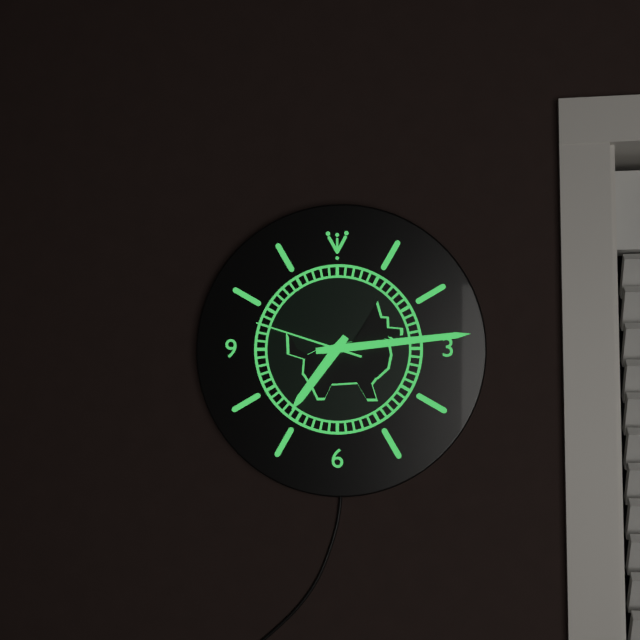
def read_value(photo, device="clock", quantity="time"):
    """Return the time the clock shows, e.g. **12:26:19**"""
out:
**7:14:48**
